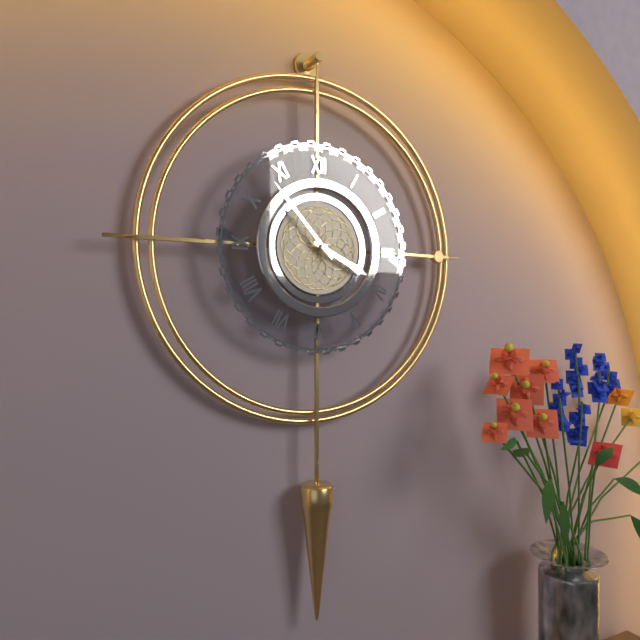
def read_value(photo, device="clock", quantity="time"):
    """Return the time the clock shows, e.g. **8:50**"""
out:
**3:53**
